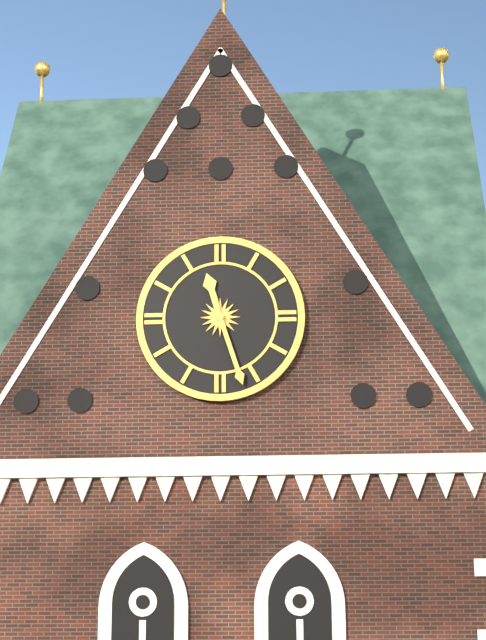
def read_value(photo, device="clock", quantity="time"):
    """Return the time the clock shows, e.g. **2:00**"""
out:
**11:27**
